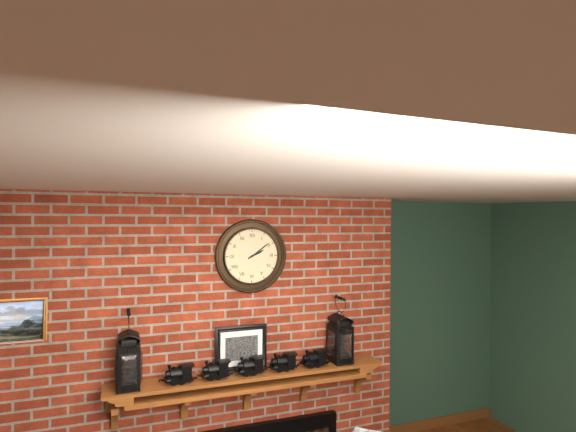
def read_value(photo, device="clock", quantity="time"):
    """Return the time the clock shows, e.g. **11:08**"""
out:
**2:09**
